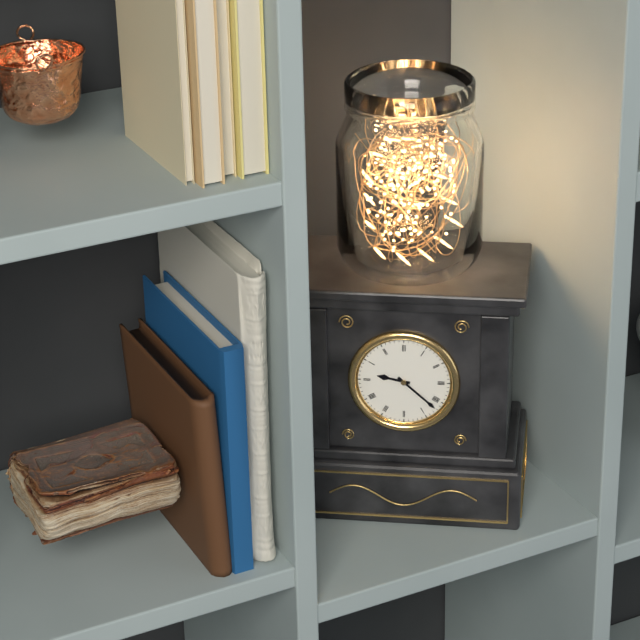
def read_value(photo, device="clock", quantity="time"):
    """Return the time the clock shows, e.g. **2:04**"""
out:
**9:22**
